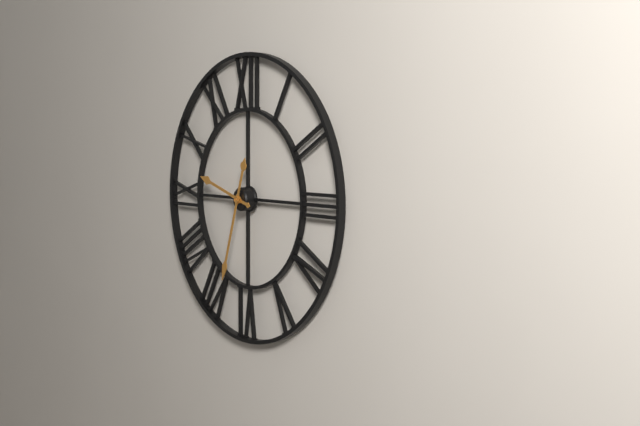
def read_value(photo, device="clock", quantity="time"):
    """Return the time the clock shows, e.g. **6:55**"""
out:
**9:33**
